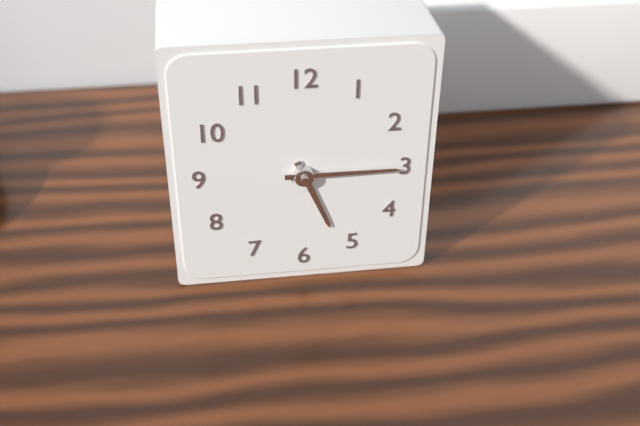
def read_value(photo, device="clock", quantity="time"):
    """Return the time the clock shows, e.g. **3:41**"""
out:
**5:15**
